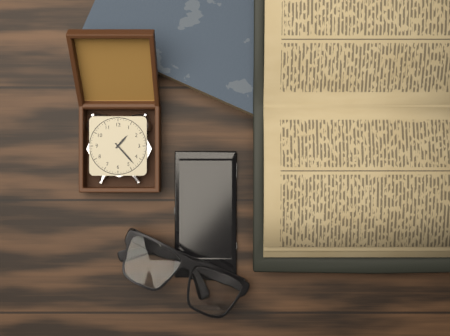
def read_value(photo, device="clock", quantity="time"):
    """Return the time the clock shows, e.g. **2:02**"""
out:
**1:23**
